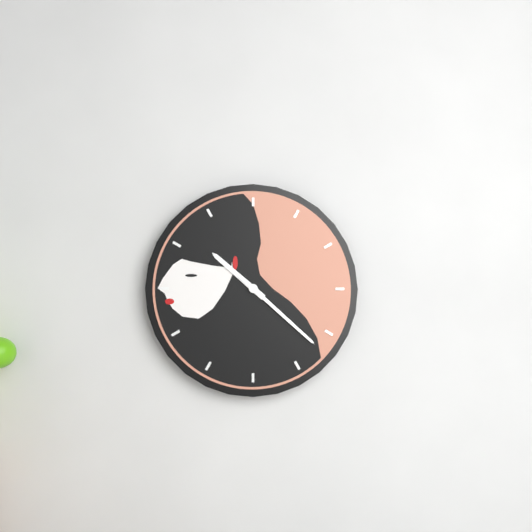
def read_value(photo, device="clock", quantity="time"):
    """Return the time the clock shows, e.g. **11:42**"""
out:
**10:22**
